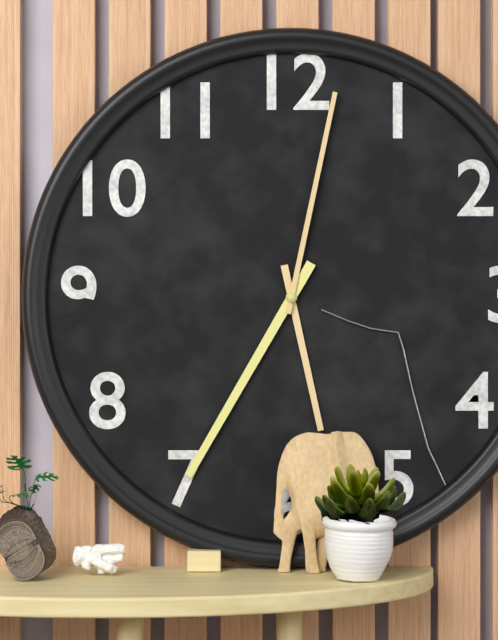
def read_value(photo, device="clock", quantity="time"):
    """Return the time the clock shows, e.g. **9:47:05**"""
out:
**5:35:02**
